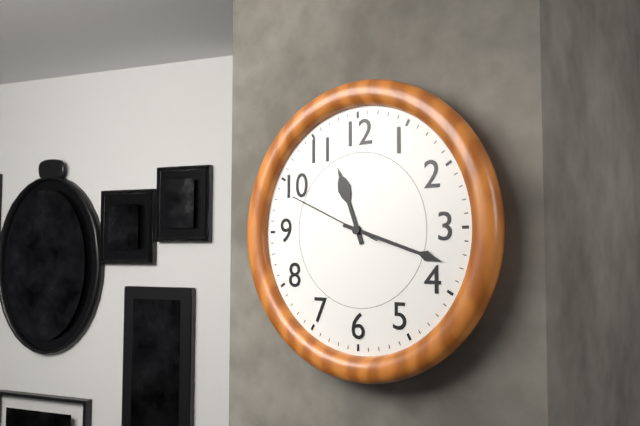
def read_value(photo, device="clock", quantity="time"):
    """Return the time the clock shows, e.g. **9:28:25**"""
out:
**11:18:49**
